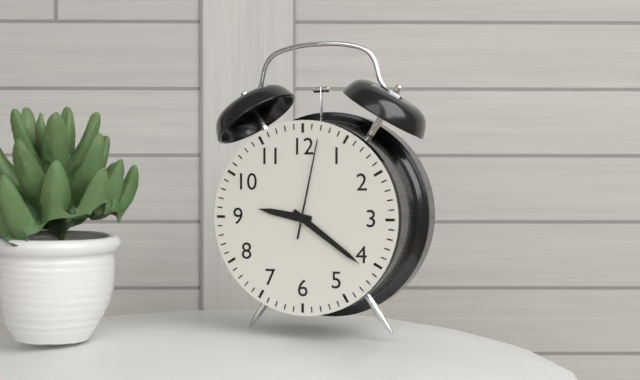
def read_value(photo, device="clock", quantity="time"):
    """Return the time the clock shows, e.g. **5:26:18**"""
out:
**9:21:02**
